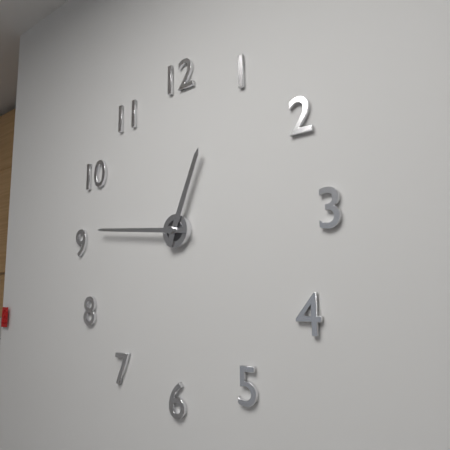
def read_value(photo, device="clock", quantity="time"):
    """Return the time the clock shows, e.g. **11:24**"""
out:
**12:46**
